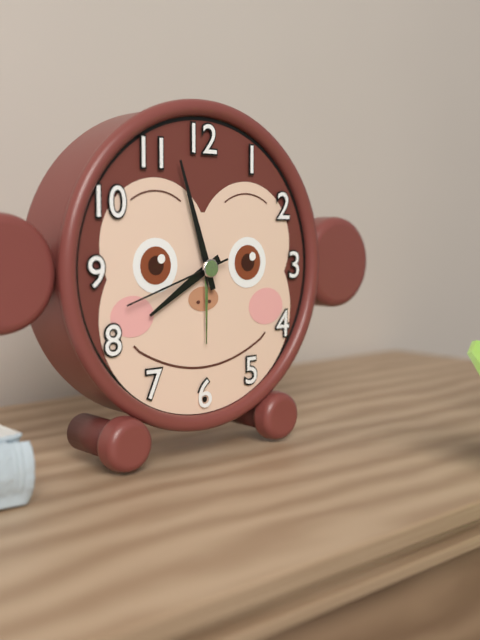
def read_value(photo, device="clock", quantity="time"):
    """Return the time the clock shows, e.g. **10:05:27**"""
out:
**7:57:42**
